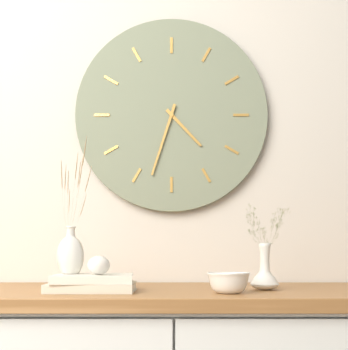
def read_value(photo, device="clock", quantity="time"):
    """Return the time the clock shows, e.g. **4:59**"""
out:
**4:33**
